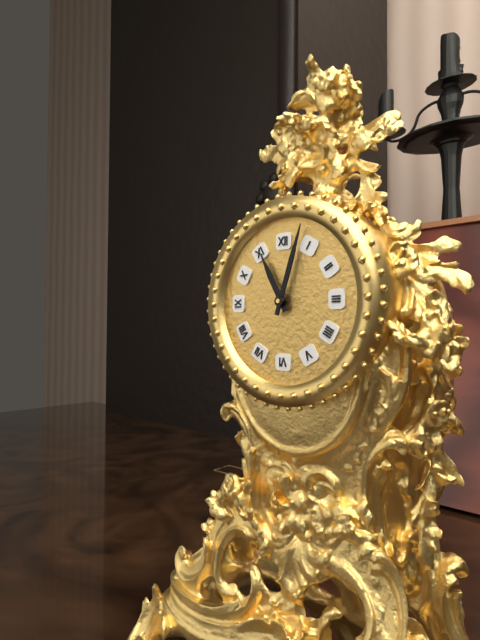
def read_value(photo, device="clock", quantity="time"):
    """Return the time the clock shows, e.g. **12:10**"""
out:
**11:03**
